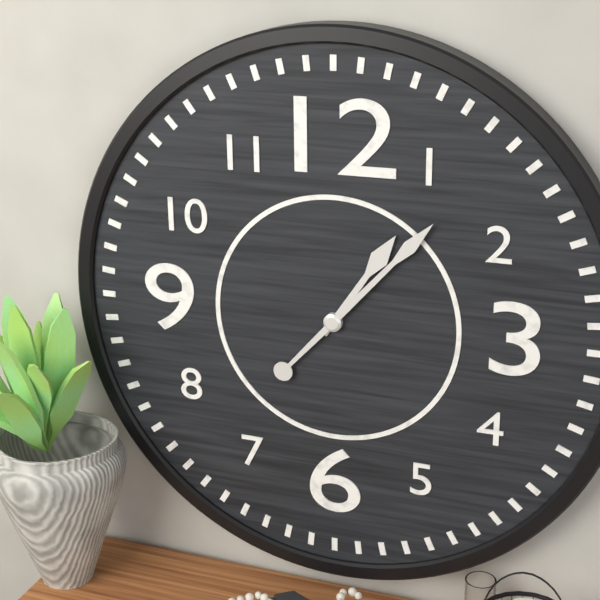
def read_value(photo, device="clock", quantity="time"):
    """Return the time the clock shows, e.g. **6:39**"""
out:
**1:07**
